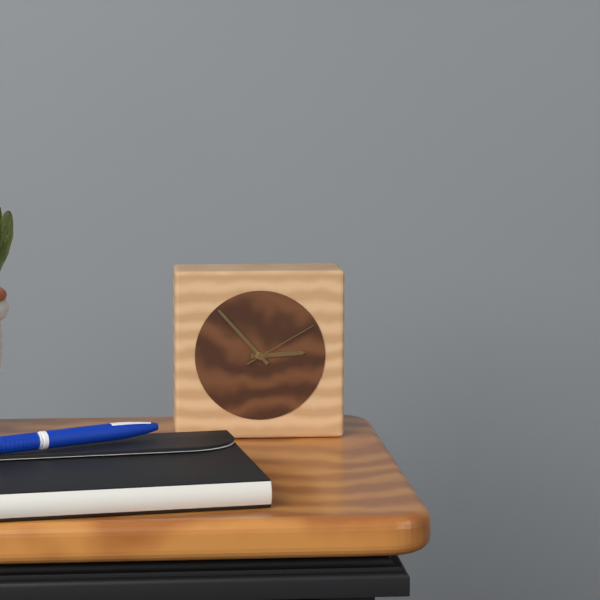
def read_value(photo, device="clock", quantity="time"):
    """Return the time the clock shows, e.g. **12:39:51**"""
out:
**2:53:10**
